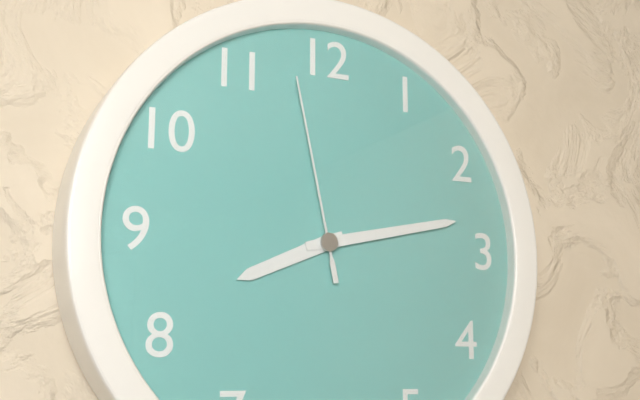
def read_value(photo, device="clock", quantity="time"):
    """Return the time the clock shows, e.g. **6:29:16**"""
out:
**8:13:58**
